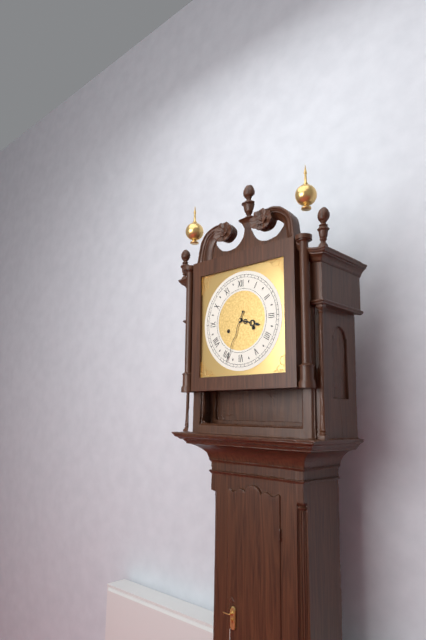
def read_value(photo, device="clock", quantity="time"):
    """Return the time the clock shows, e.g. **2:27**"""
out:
**3:34**
